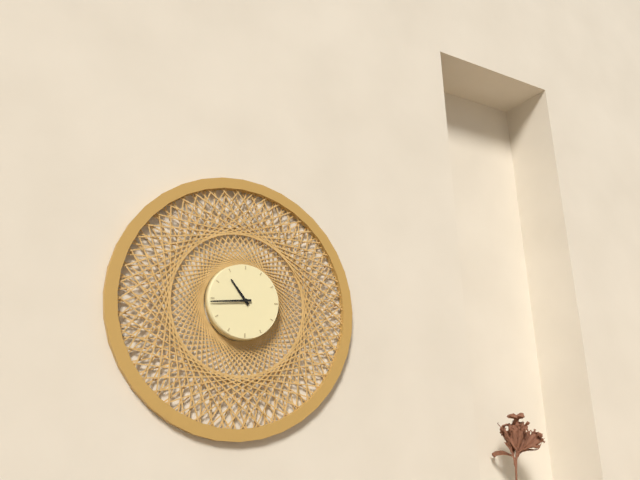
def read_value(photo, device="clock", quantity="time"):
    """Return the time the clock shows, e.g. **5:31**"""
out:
**10:44**
